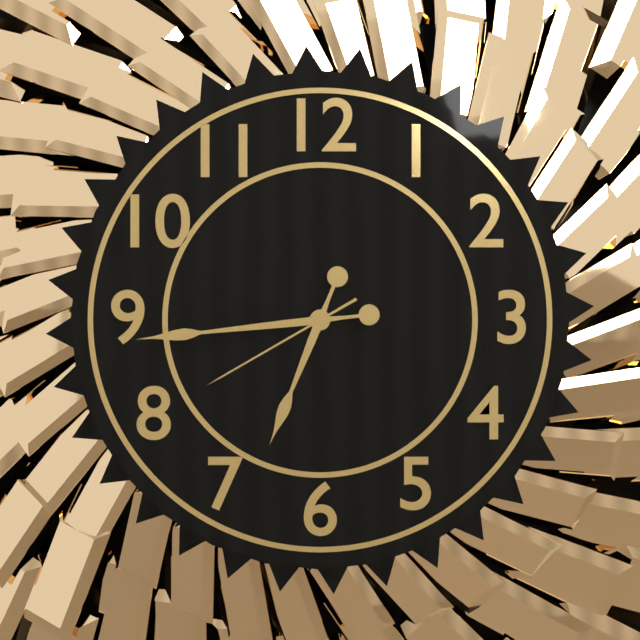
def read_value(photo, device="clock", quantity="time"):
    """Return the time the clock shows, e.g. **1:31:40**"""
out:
**6:44:40**
